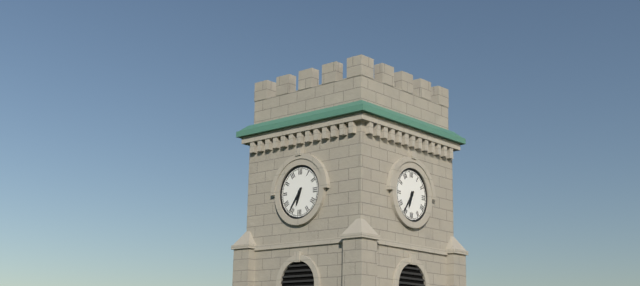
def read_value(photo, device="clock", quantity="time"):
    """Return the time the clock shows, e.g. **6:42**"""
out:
**6:36**
